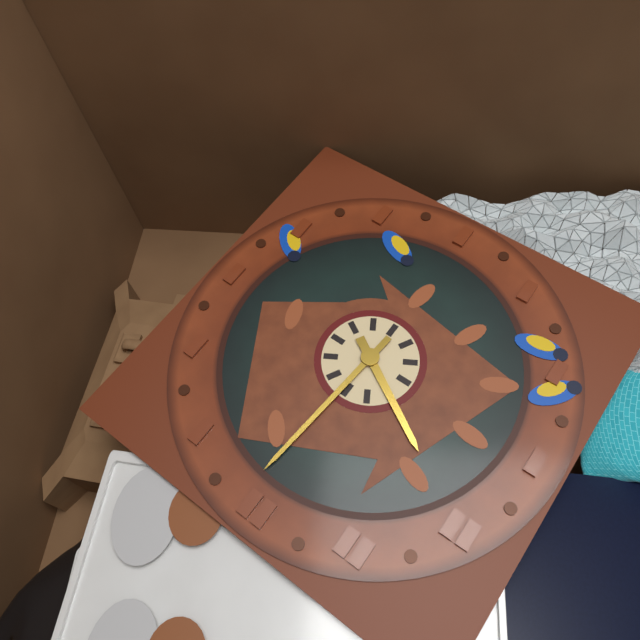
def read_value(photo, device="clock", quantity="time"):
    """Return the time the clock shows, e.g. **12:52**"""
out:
**10:01**
